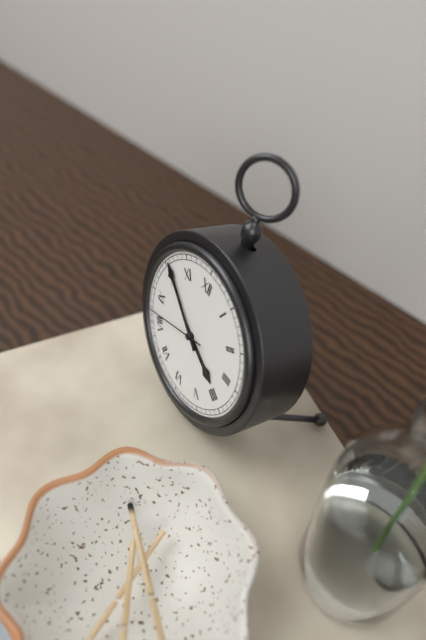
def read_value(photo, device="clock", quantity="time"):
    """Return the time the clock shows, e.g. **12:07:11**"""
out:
**3:51:42**
